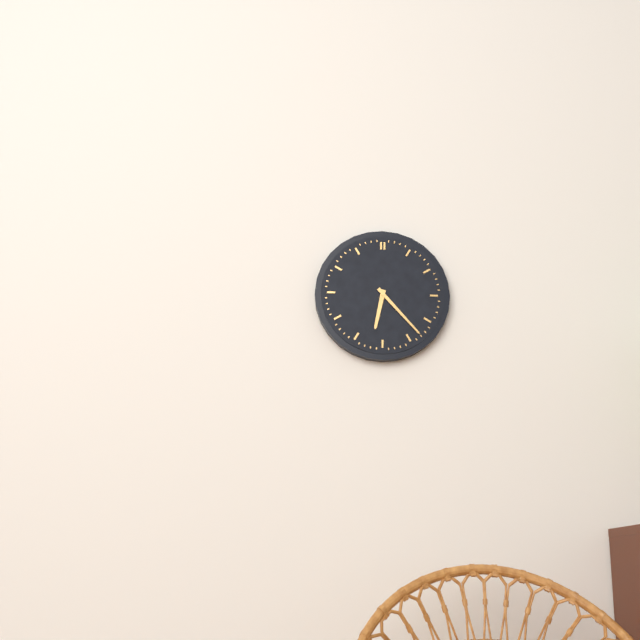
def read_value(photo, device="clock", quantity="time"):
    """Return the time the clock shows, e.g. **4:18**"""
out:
**6:23**
